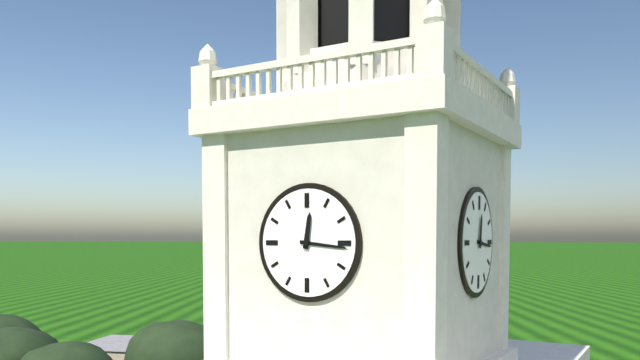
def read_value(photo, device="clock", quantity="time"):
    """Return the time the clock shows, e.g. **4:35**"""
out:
**12:16**
